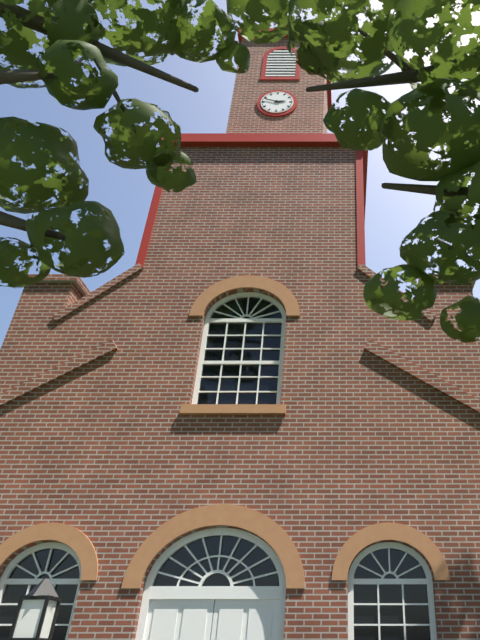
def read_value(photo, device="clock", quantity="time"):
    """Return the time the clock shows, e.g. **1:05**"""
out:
**2:48**
